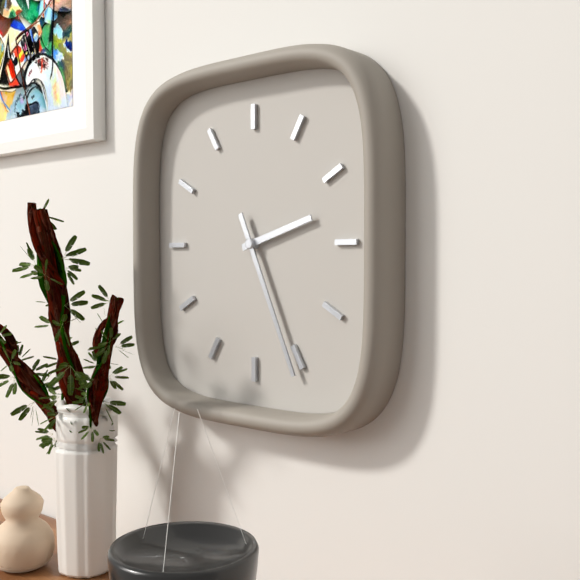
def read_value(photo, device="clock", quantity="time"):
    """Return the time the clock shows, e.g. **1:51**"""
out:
**2:26**
